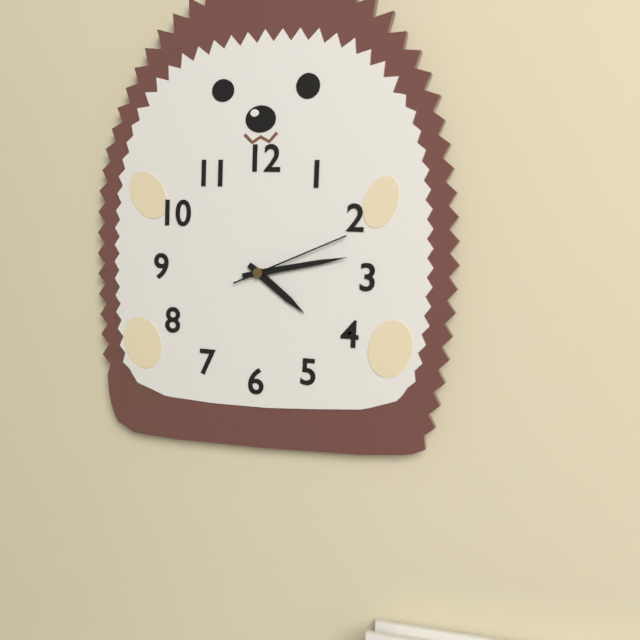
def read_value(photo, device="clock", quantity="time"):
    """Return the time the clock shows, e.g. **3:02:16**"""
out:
**4:13:11**
